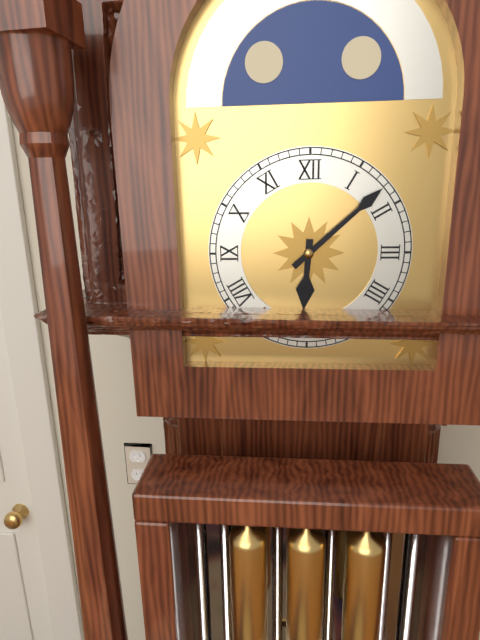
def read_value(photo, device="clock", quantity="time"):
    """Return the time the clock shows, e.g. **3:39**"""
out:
**6:08**
